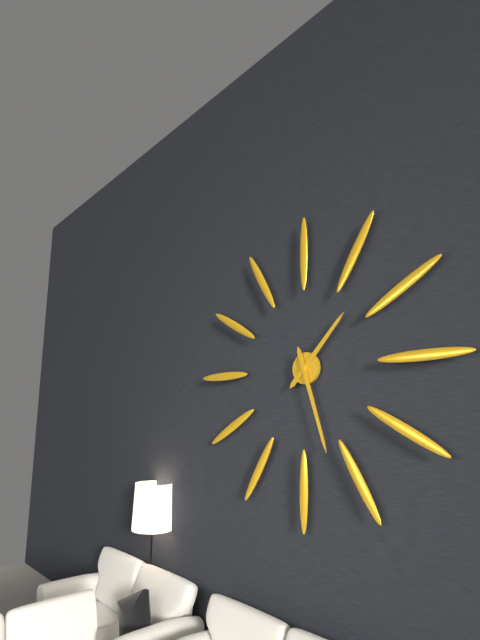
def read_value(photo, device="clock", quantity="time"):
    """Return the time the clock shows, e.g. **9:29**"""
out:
**1:27**
